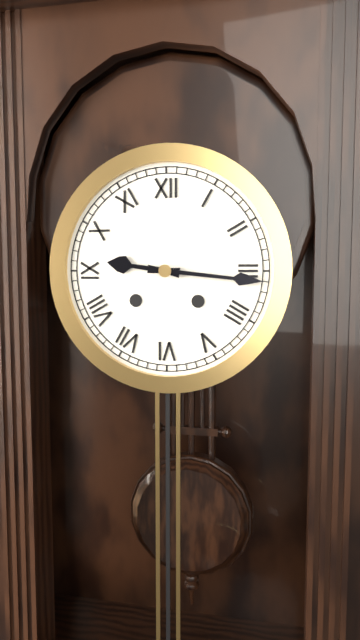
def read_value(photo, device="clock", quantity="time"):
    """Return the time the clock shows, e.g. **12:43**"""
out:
**9:16**
